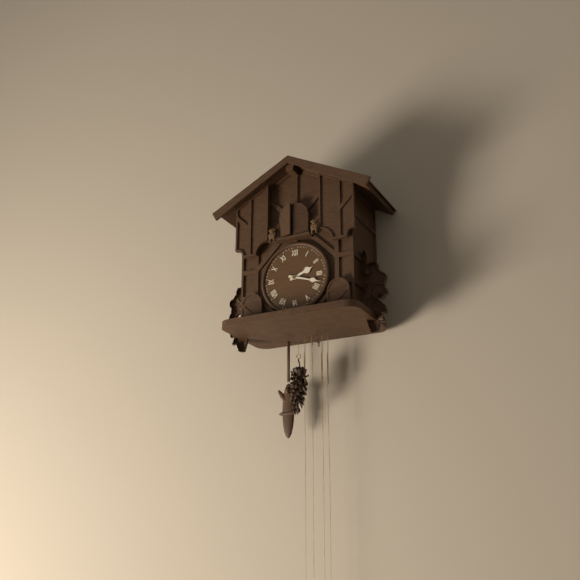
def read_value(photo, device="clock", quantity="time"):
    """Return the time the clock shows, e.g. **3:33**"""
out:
**2:18**
